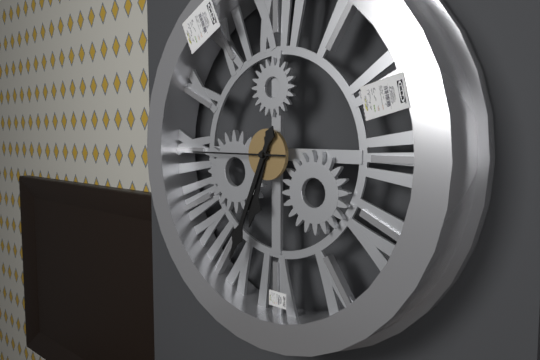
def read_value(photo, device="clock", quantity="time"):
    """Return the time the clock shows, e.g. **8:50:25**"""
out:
**6:34:45**
